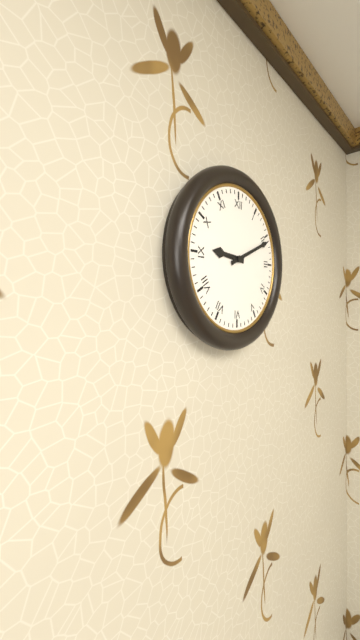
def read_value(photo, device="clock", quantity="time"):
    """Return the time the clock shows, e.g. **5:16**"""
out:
**9:11**
